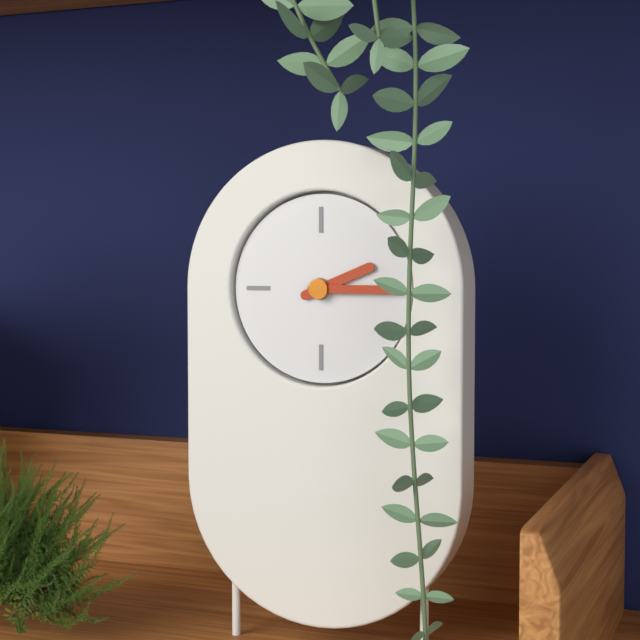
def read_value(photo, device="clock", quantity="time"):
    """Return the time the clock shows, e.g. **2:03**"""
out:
**2:15**
